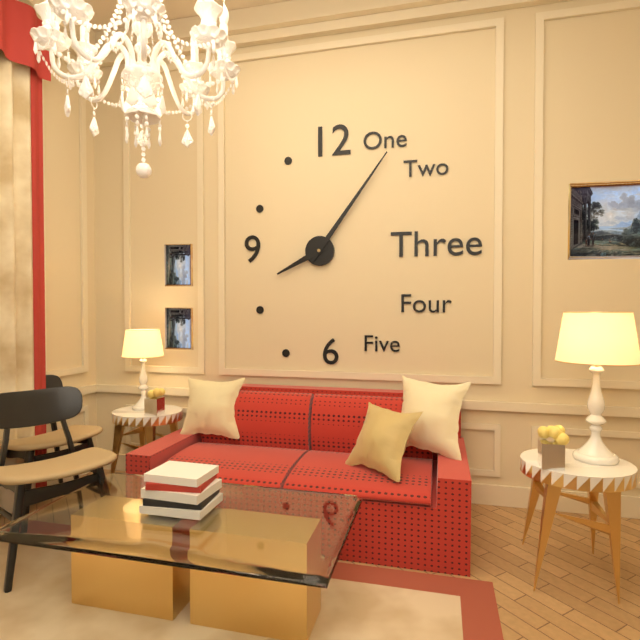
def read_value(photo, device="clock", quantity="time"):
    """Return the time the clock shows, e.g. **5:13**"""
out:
**8:06**
